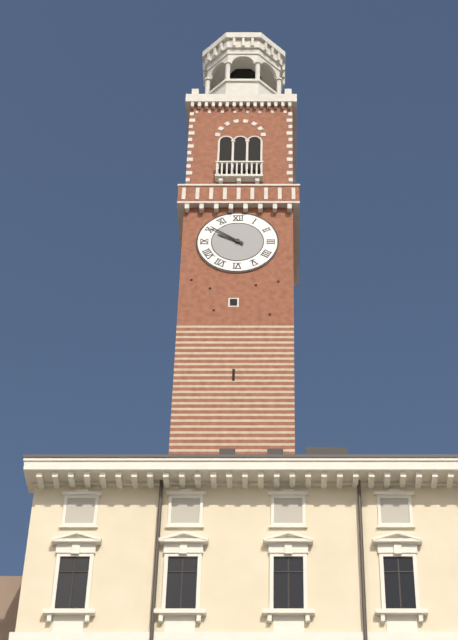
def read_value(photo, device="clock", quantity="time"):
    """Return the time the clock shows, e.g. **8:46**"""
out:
**9:51**
